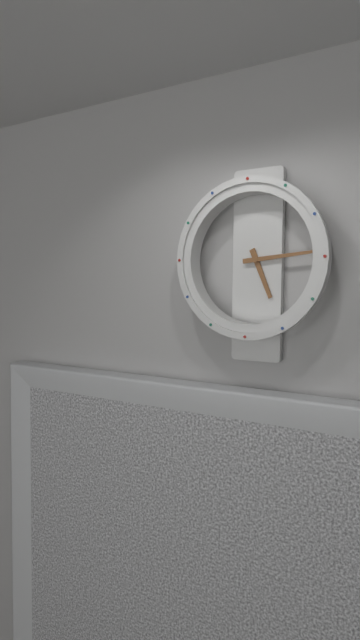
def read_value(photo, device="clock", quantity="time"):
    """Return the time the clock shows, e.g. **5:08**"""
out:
**5:14**
